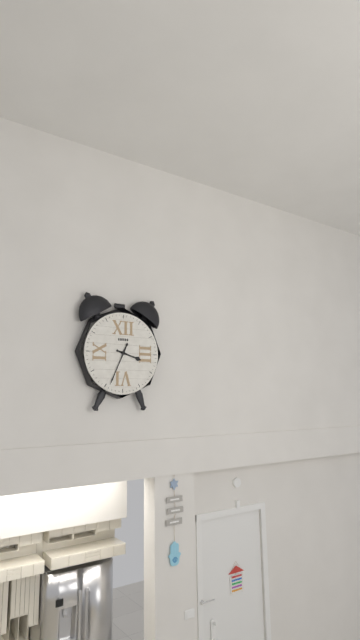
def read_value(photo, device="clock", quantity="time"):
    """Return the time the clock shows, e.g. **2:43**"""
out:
**3:34**
